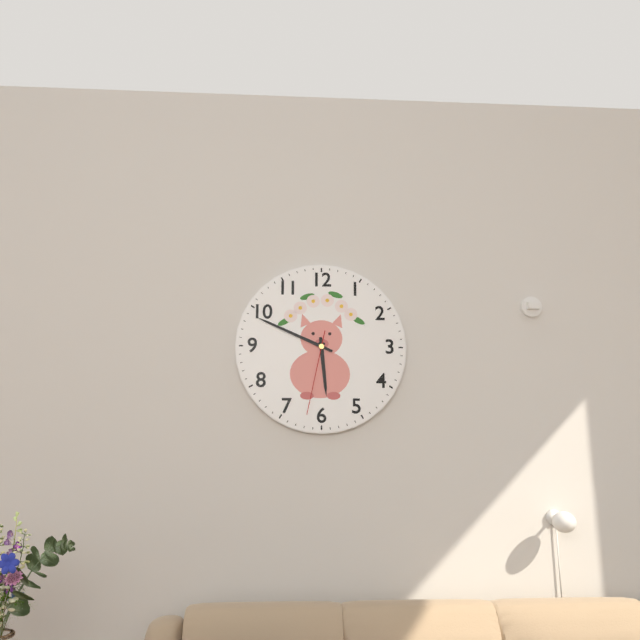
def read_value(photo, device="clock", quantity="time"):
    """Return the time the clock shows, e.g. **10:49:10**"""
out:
**5:49:32**
